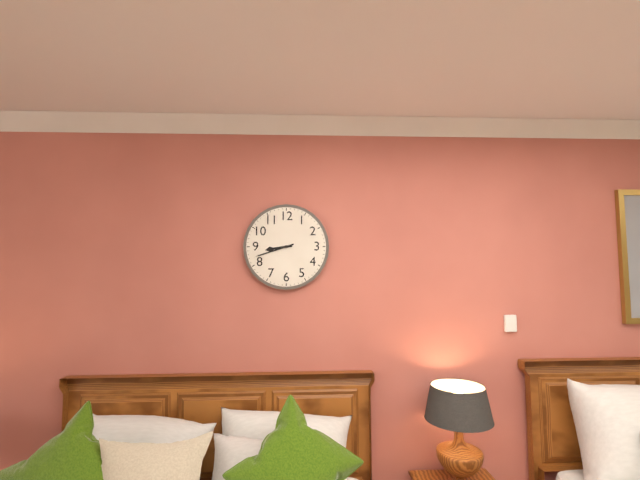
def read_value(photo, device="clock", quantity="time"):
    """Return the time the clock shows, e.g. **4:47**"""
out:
**8:42**
